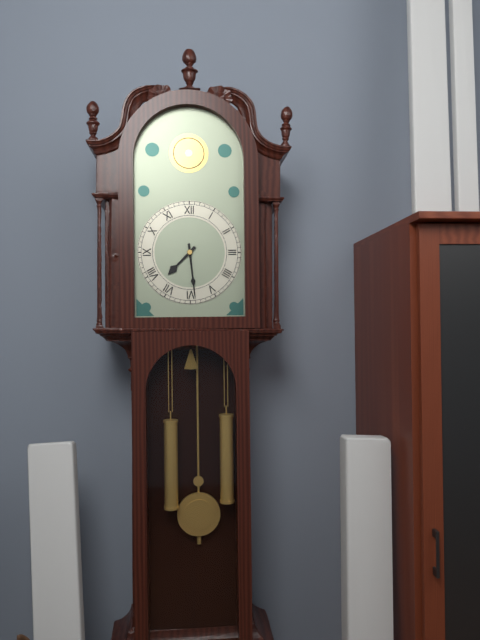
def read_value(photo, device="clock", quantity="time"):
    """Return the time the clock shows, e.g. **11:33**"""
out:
**7:29**
